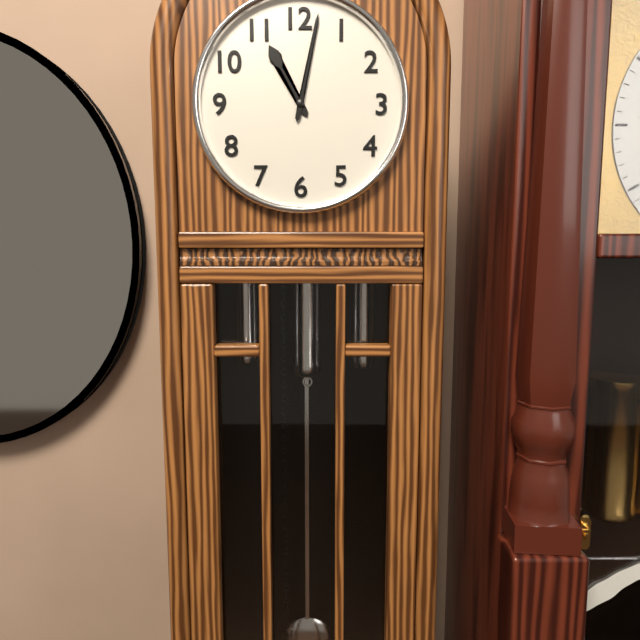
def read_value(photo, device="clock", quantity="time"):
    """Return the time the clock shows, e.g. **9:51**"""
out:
**11:02**
